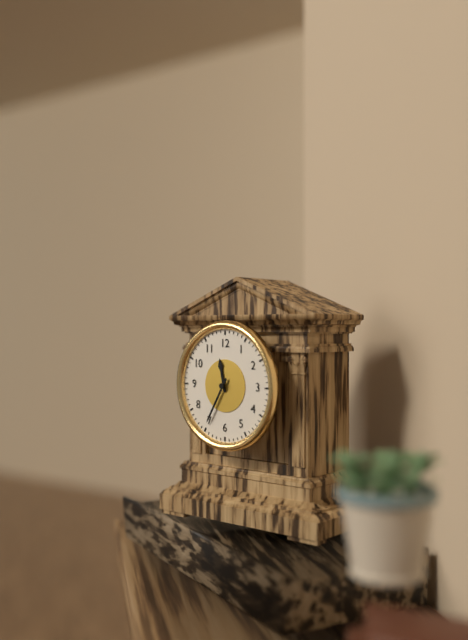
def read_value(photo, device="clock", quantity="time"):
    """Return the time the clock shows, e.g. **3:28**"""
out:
**11:35**
